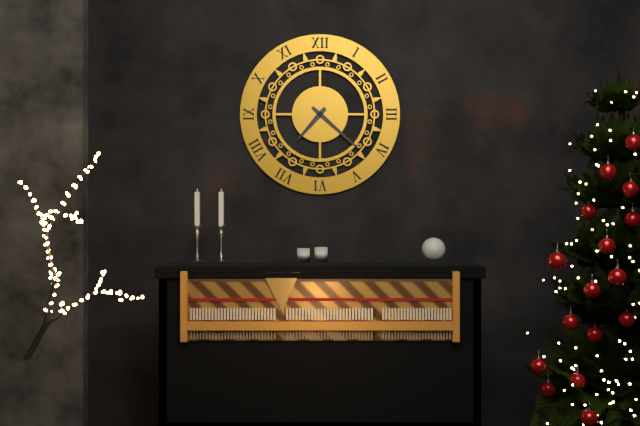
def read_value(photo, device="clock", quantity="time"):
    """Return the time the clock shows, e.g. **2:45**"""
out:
**7:22**
